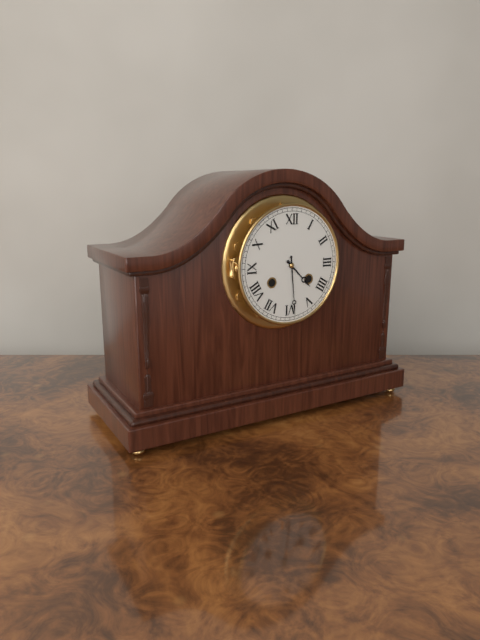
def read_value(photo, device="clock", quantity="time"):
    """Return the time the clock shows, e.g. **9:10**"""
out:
**4:29**
